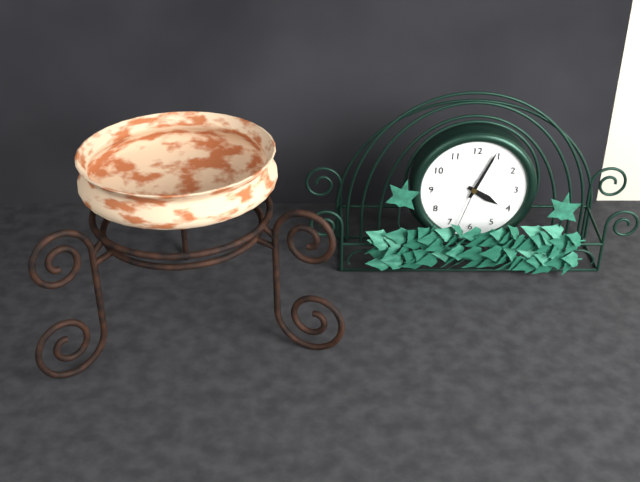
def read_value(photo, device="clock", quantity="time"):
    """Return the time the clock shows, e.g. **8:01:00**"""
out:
**4:04:33**
